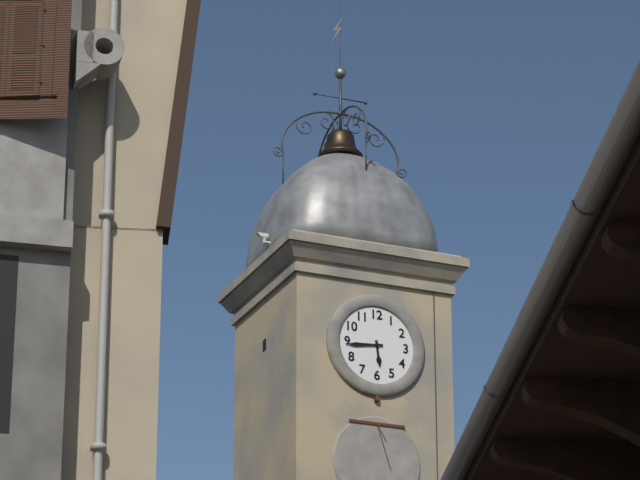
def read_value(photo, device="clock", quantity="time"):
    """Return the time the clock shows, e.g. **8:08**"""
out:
**5:44**
